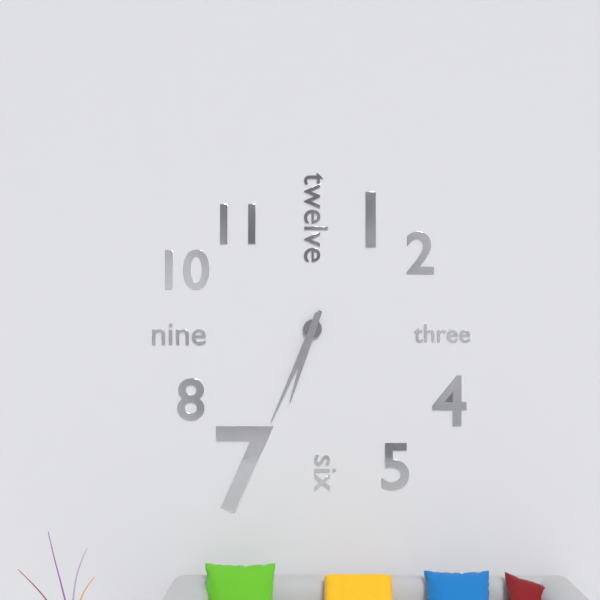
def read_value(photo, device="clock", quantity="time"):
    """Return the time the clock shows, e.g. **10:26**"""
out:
**6:34**
